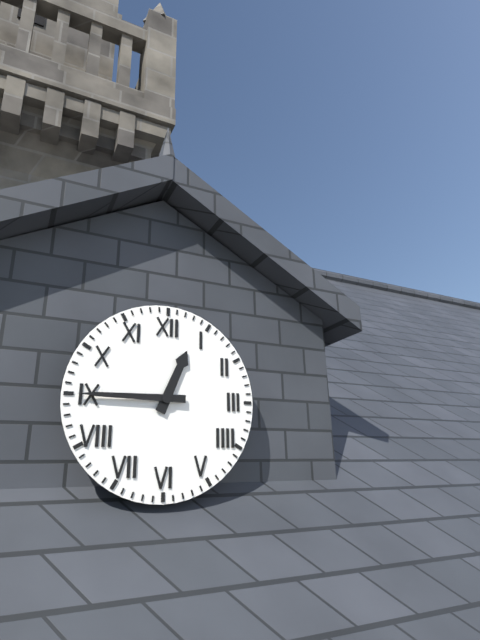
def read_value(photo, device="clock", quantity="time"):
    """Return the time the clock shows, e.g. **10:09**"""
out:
**12:45**
